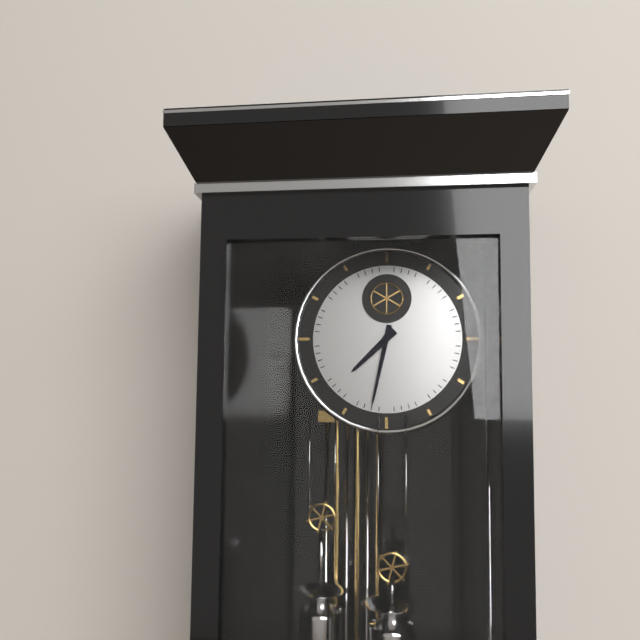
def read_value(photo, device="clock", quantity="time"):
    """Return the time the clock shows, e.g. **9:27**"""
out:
**7:32**
